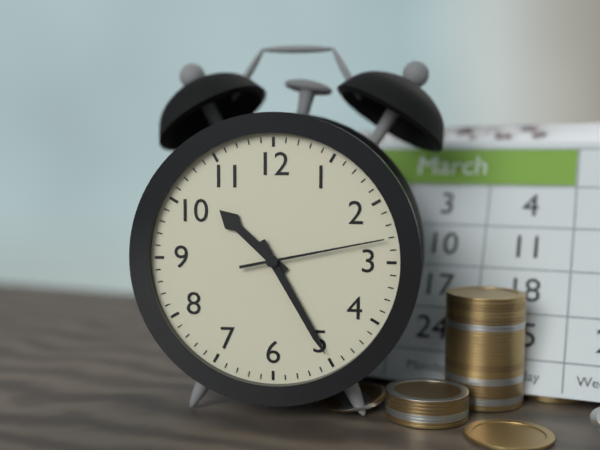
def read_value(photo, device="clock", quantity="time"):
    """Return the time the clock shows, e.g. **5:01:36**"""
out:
**10:25:13**
